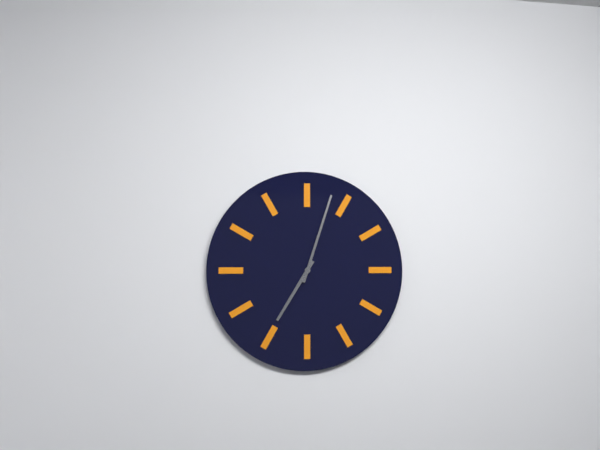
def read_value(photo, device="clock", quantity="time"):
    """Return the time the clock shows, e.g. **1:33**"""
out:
**7:03**
